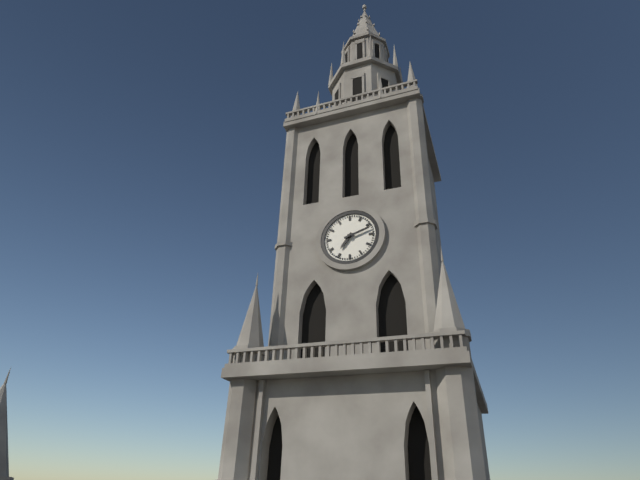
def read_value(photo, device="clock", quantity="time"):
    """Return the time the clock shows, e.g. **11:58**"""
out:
**7:12**
